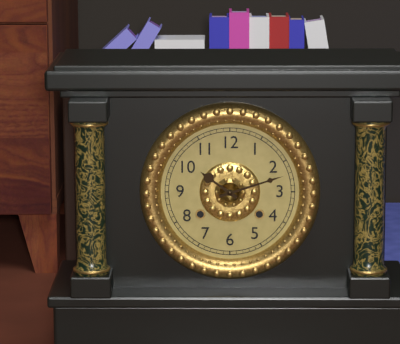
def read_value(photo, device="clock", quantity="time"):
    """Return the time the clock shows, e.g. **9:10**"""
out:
**10:12**
